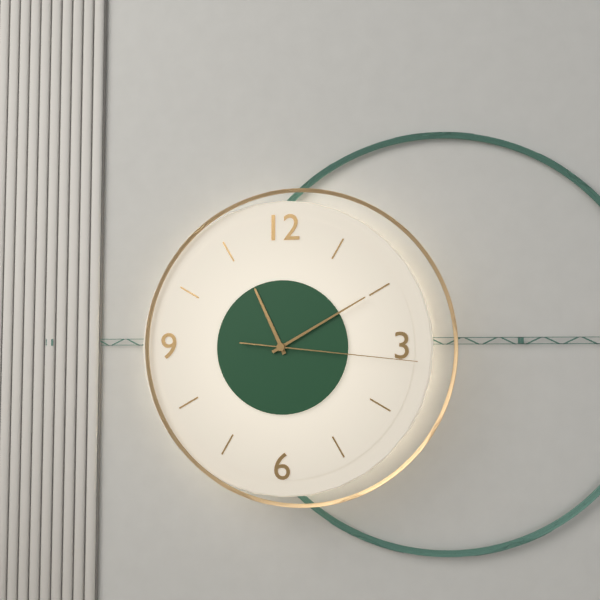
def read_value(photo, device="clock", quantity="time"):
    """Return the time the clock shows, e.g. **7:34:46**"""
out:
**11:10:16**
